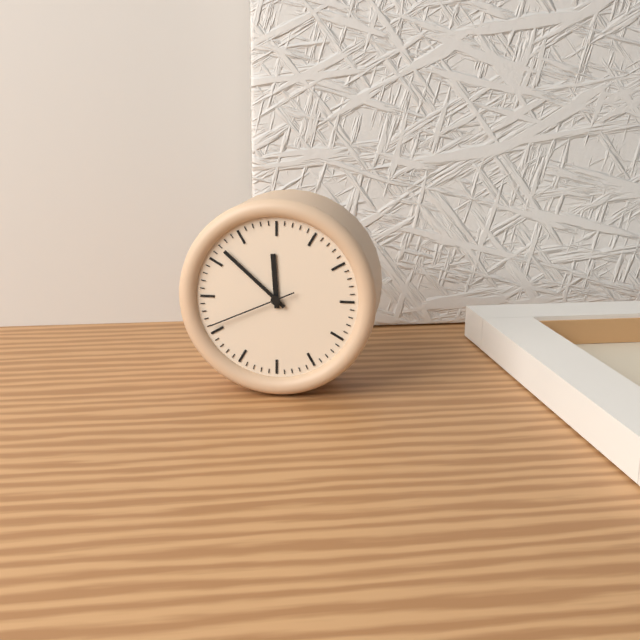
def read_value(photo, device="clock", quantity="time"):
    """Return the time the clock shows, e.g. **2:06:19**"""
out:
**11:52:41**
